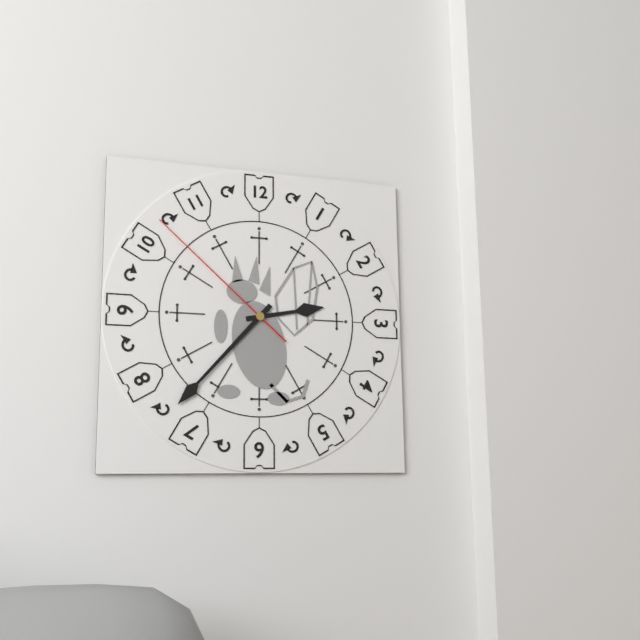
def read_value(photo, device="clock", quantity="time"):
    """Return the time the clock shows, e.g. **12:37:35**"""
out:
**2:37:52**
